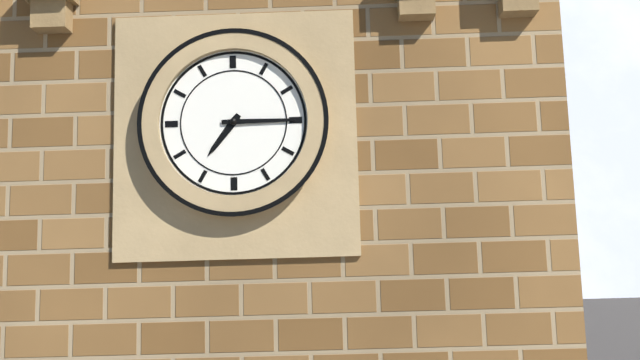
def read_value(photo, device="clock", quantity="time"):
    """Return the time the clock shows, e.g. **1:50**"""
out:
**7:15**
